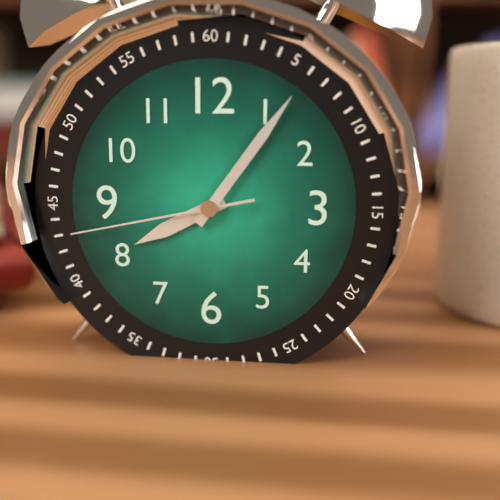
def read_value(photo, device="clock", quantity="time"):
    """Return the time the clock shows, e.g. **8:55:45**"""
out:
**8:06:43**
